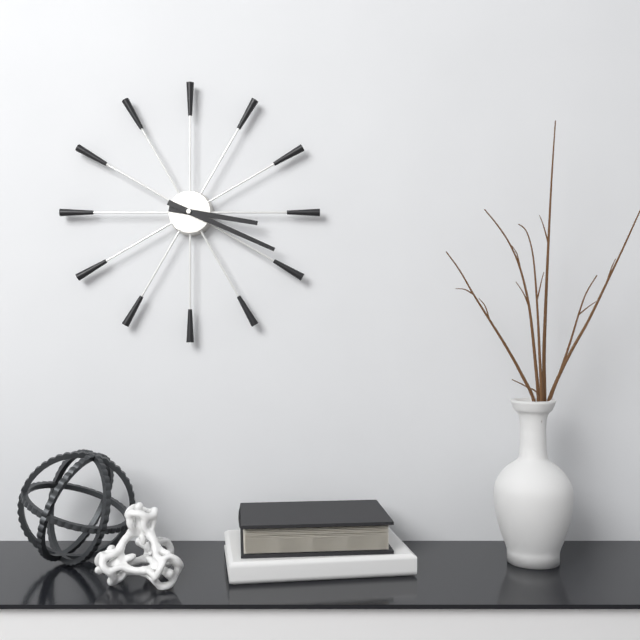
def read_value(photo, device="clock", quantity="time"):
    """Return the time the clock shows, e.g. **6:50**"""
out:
**3:19**
